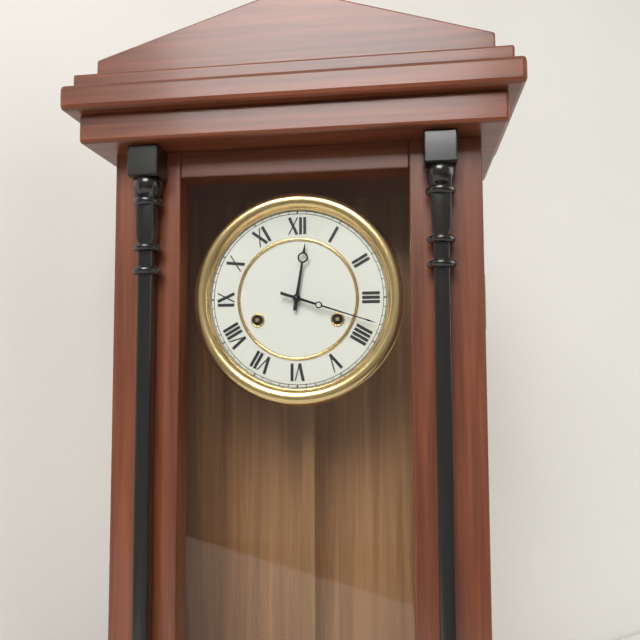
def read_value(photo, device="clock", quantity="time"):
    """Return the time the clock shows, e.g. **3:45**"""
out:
**12:18**
